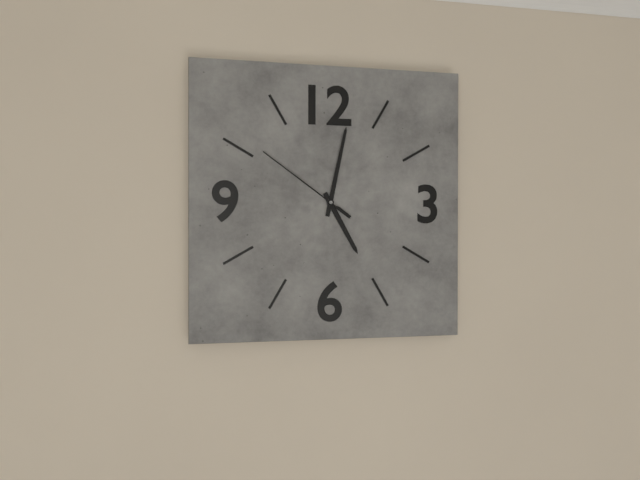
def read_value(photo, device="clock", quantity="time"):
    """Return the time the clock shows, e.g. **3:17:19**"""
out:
**5:02:51**
